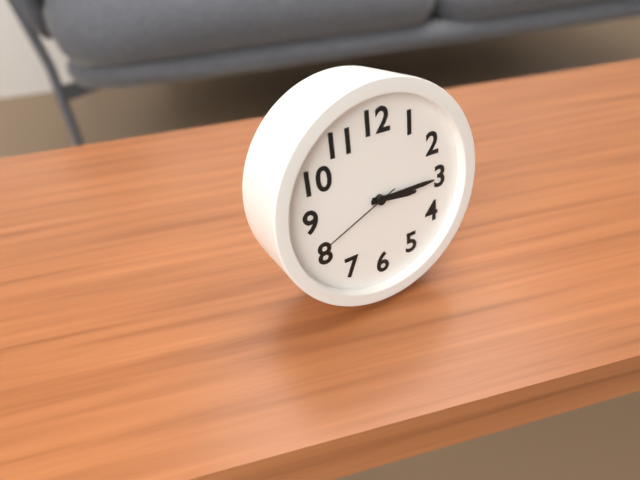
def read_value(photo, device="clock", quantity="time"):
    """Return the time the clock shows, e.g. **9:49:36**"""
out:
**3:15:41**
